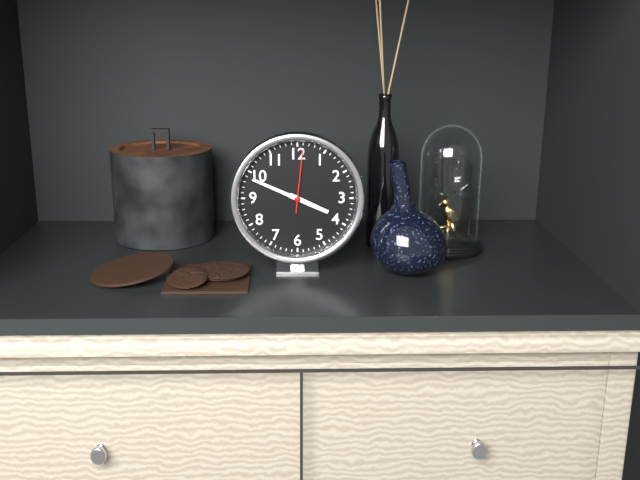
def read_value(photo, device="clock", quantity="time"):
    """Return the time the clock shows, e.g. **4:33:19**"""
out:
**3:49:01**
